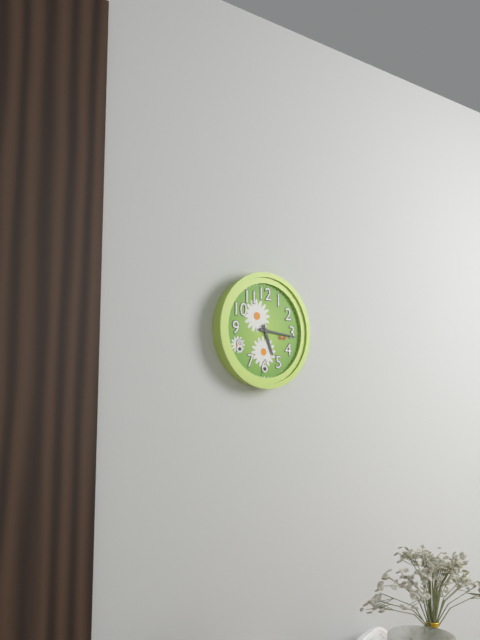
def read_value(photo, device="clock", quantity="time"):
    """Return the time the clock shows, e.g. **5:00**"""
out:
**5:16**
